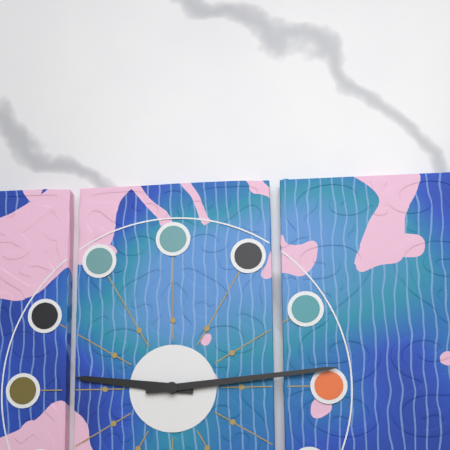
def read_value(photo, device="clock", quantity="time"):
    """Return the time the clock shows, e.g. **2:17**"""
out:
**9:14**
